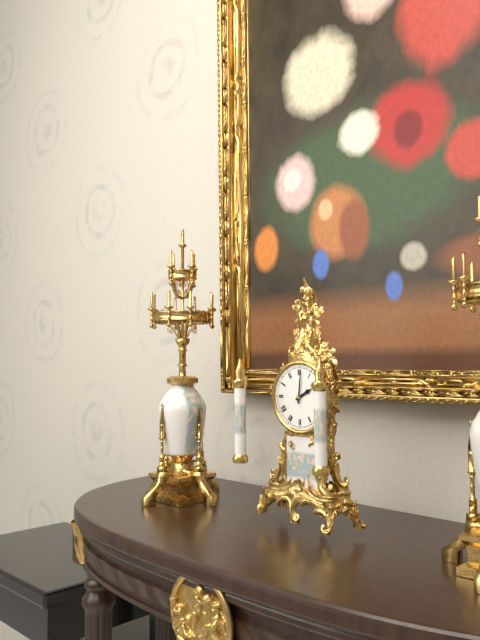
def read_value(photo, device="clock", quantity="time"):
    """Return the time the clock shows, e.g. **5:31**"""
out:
**2:01**
